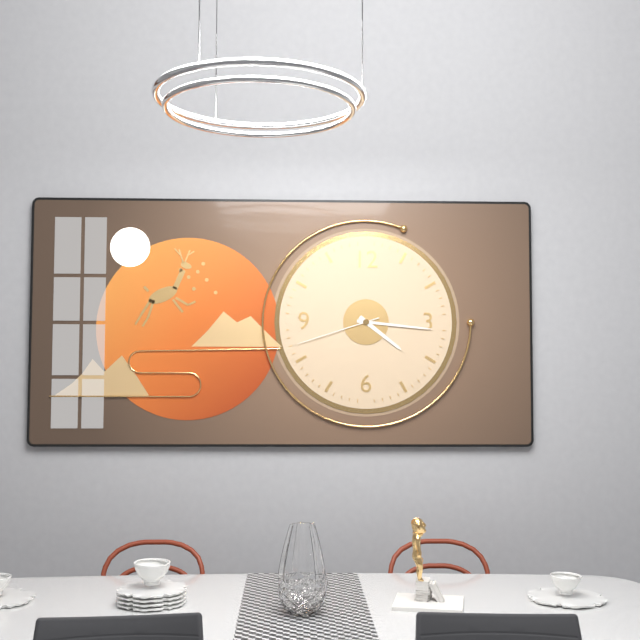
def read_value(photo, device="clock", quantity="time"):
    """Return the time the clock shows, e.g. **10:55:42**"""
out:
**4:16:42**
